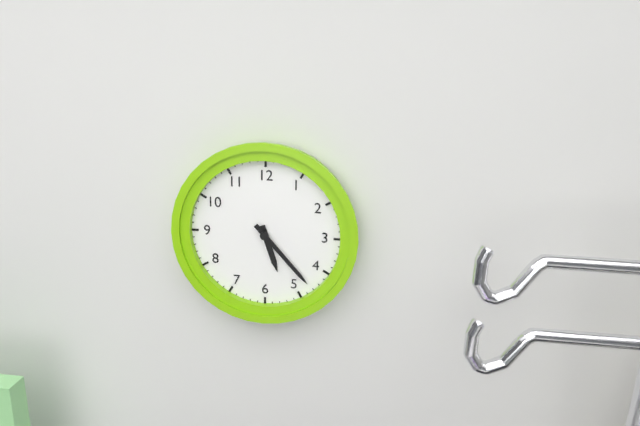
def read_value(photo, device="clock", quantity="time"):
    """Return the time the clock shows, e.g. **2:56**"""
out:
**5:23**
